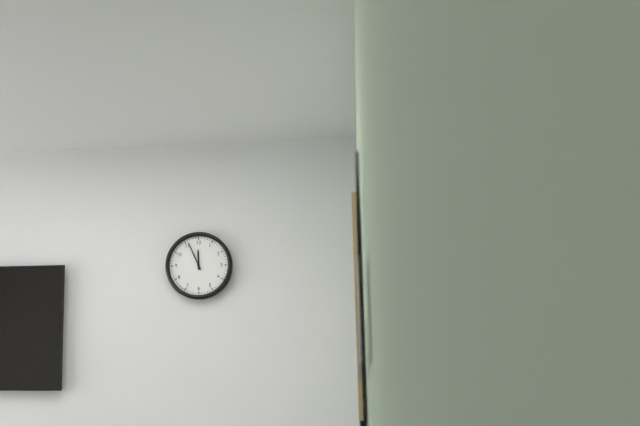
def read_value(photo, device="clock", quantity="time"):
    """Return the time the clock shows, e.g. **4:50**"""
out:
**11:56**
